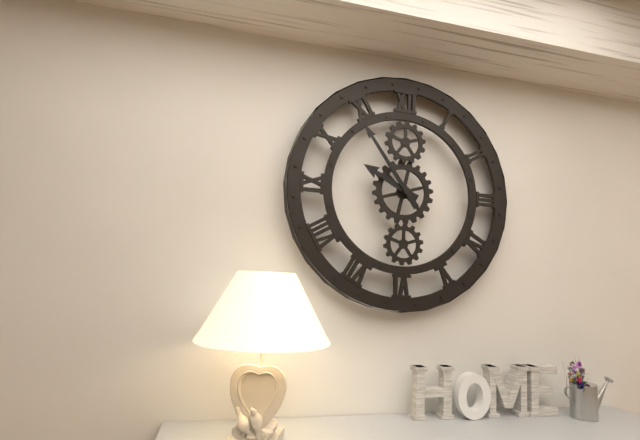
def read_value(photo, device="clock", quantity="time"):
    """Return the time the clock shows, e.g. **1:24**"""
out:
**9:54**
